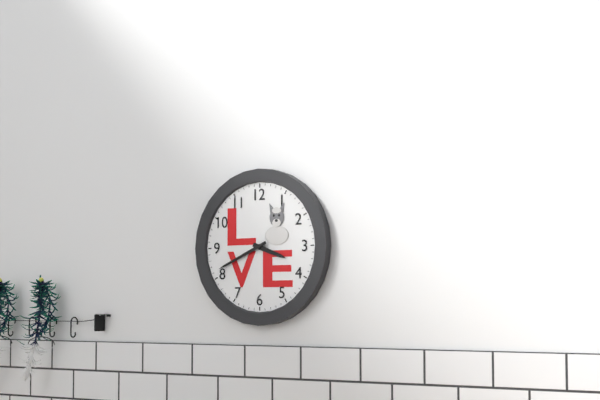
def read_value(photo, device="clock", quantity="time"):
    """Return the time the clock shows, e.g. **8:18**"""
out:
**3:41**
